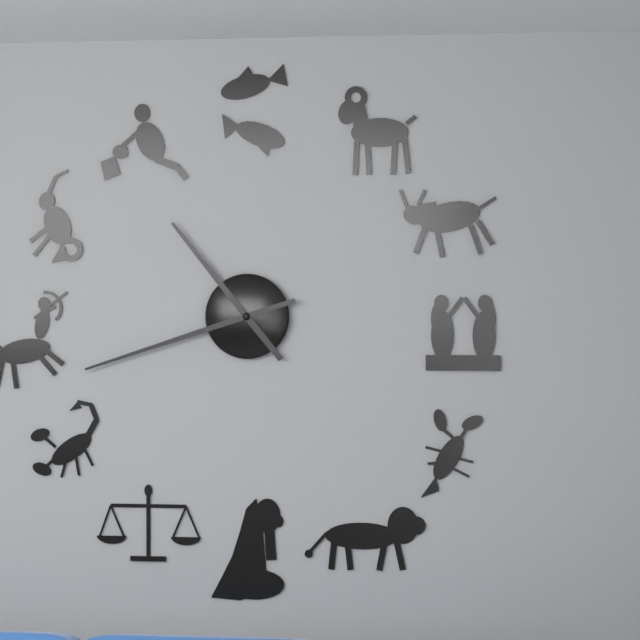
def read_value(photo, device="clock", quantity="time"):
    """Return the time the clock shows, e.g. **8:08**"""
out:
**10:42**
